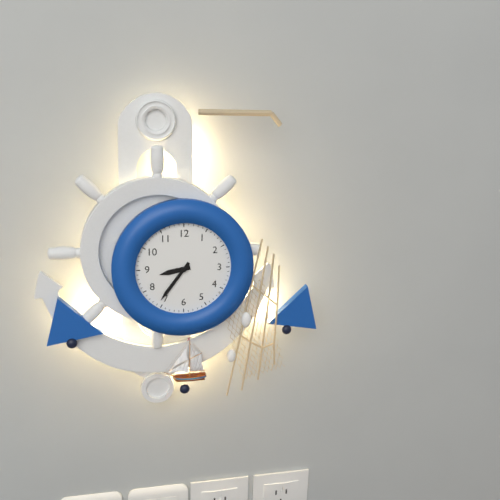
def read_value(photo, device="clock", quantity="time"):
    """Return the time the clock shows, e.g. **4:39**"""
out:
**8:36**
